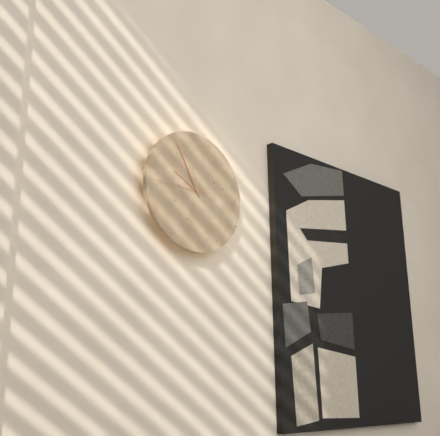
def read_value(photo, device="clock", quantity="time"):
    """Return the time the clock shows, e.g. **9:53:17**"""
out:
**9:55:45**
